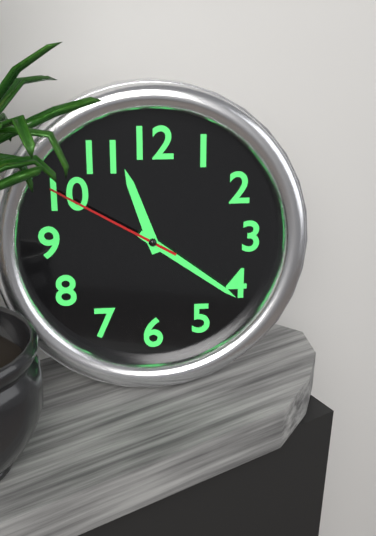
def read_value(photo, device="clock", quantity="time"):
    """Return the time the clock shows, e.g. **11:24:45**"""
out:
**11:21:50**
